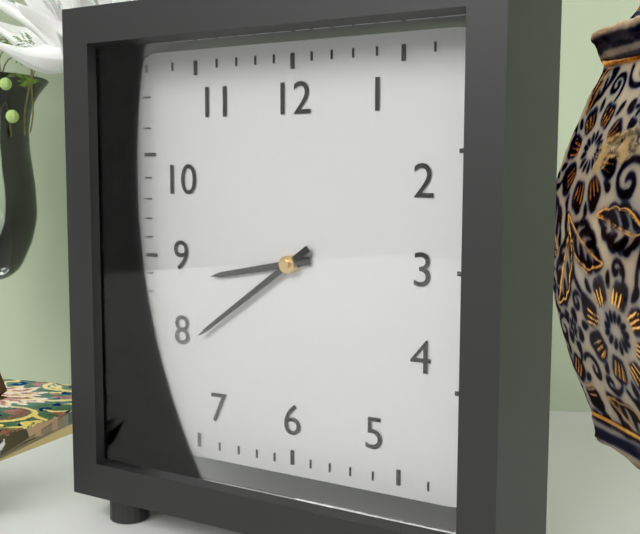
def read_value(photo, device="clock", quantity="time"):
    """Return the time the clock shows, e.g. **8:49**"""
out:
**8:39**
